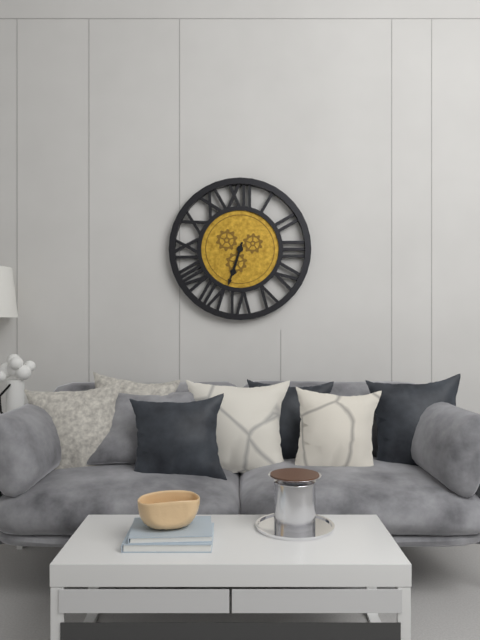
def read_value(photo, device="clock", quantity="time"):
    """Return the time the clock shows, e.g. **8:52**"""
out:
**6:33**
